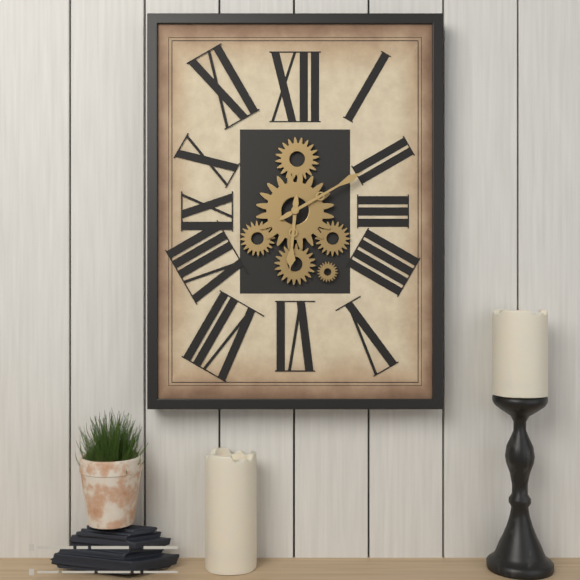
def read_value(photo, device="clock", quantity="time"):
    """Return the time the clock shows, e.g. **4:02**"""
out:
**6:10**
